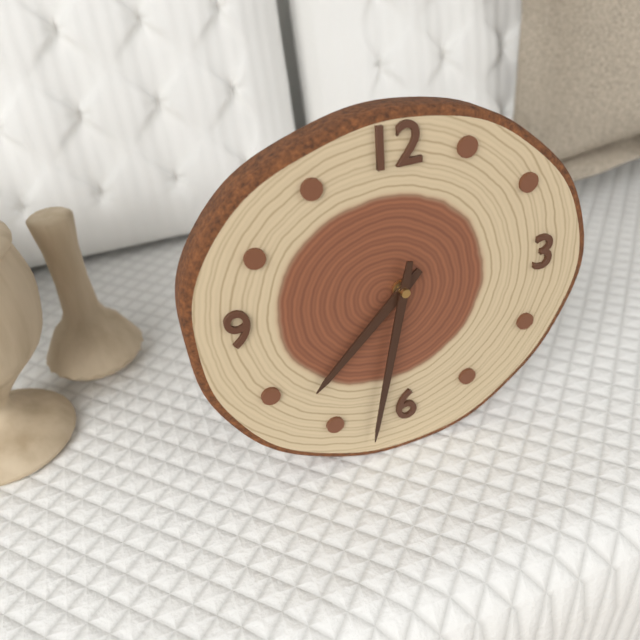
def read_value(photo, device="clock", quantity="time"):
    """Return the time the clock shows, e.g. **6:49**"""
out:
**7:32**
